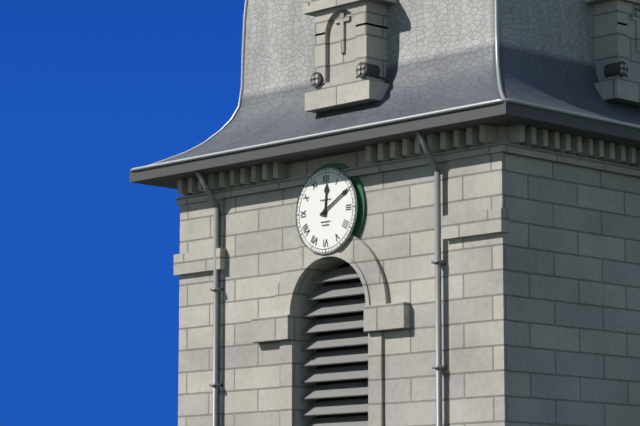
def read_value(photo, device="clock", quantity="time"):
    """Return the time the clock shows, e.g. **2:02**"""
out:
**12:10**
